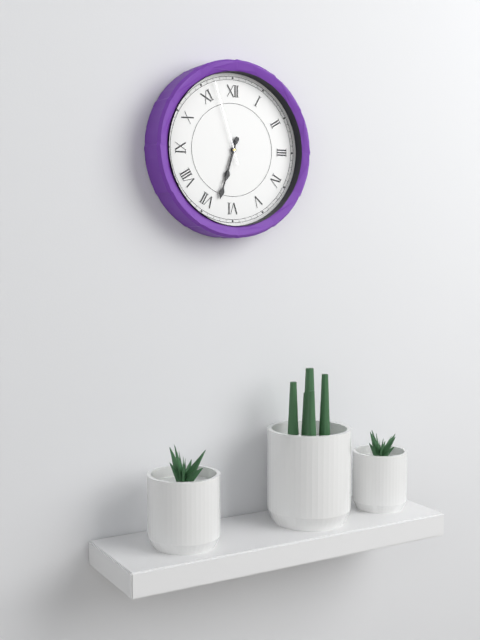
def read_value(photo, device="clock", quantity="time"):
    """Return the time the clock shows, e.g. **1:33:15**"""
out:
**6:33:57**
